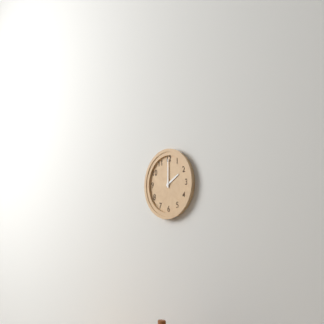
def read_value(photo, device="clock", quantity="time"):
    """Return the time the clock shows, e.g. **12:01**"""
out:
**2:00**
